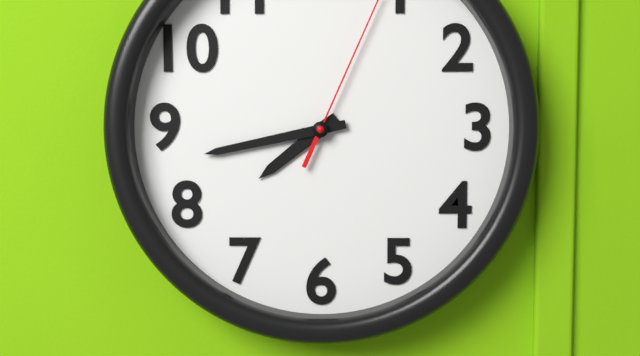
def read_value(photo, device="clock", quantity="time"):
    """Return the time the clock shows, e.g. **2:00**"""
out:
**7:43**
